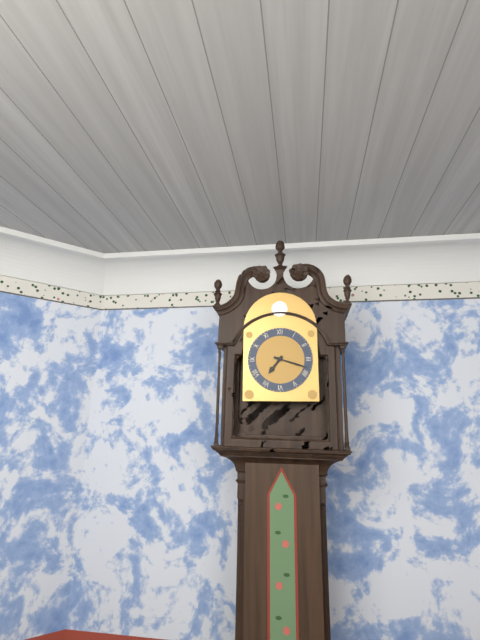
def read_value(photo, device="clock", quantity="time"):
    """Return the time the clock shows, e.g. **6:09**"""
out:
**7:18**
